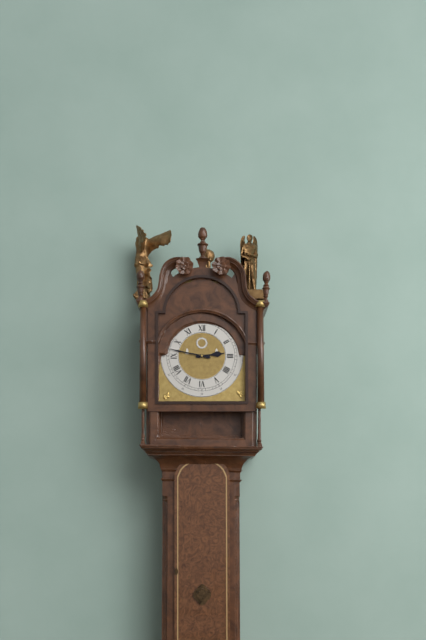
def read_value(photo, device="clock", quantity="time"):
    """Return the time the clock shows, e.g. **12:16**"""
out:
**2:47**
